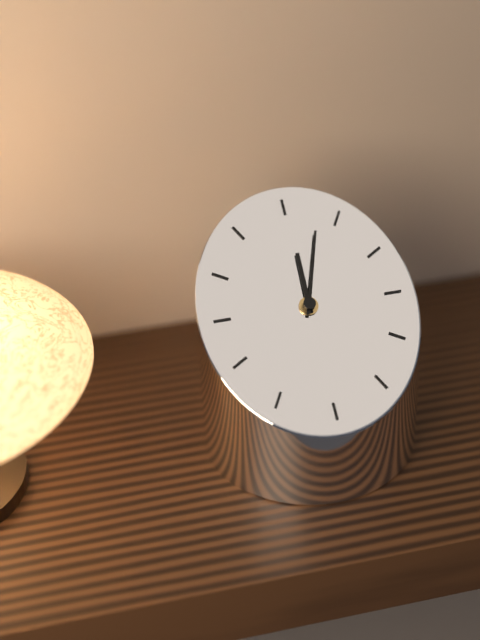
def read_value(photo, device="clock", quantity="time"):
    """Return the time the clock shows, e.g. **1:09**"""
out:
**12:03**
